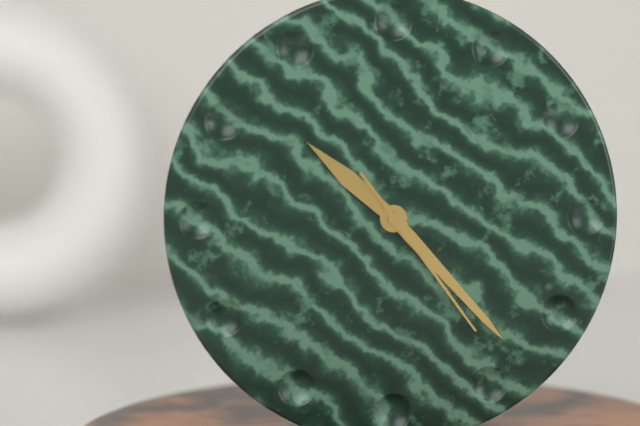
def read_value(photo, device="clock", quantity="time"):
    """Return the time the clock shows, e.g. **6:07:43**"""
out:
**10:23:24**
